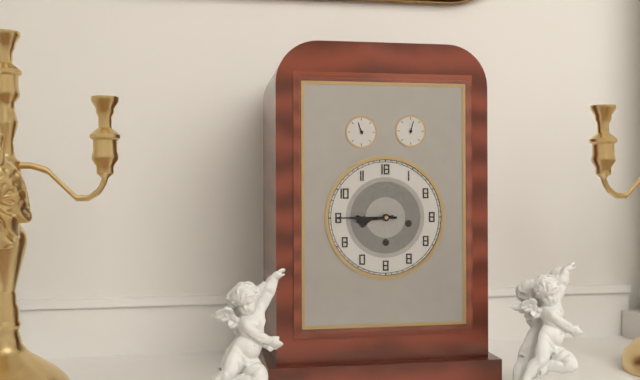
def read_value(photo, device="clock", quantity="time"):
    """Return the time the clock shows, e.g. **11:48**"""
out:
**8:45**
